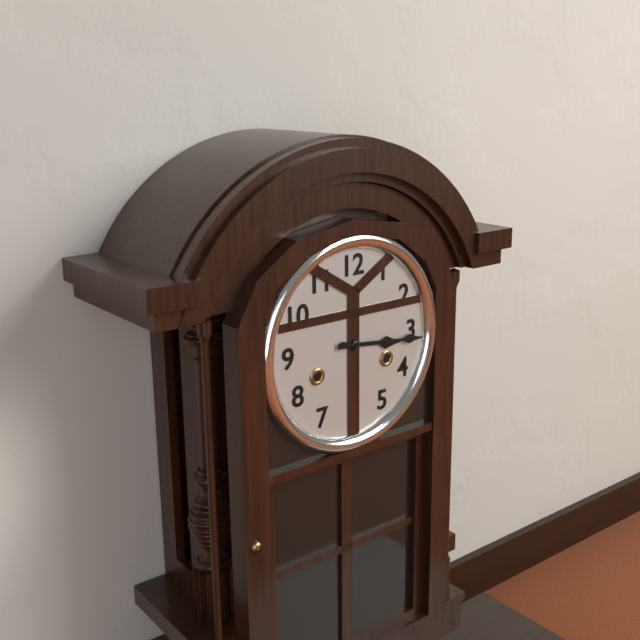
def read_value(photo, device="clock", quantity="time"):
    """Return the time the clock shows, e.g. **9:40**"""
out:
**3:16**
